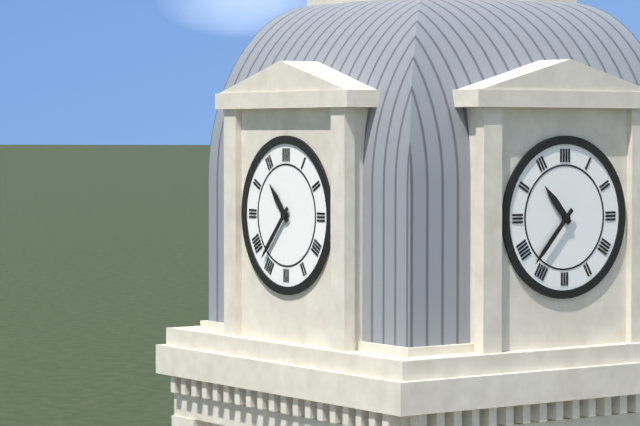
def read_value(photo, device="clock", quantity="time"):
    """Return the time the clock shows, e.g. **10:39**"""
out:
**10:37**
